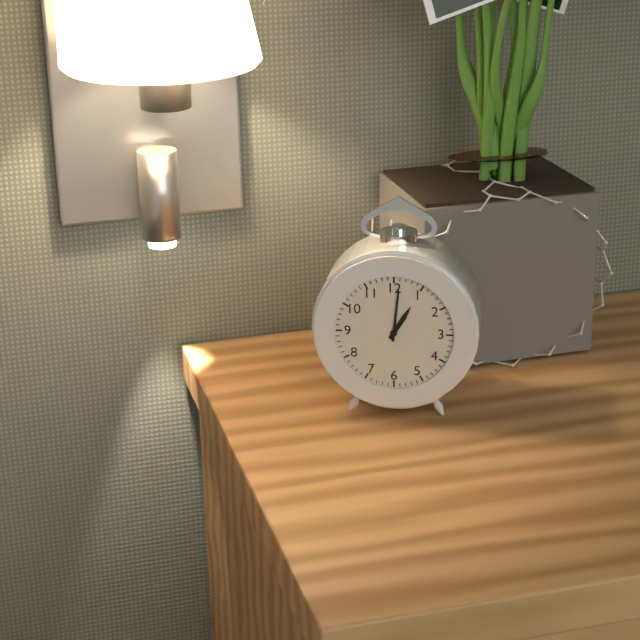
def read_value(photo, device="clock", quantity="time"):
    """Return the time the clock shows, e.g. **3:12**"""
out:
**1:01**
